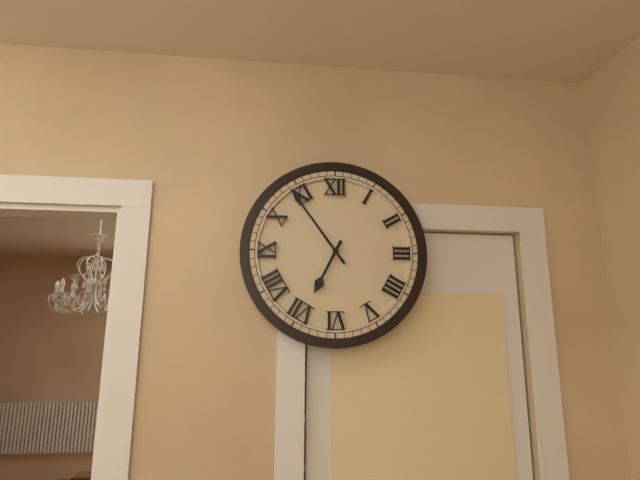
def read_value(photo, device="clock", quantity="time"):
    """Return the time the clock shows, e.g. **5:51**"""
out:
**6:54**
